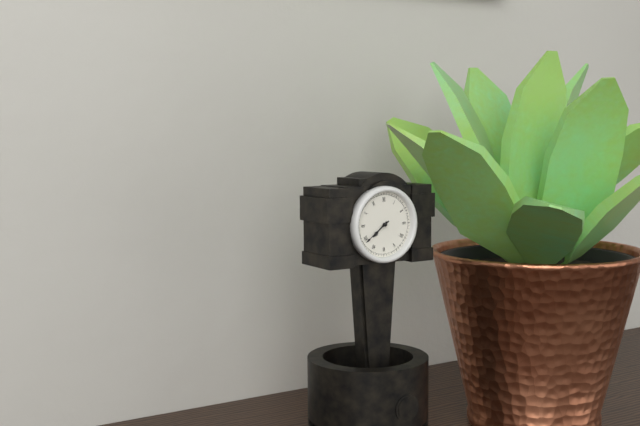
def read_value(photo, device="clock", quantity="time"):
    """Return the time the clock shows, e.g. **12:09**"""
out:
**7:39**
